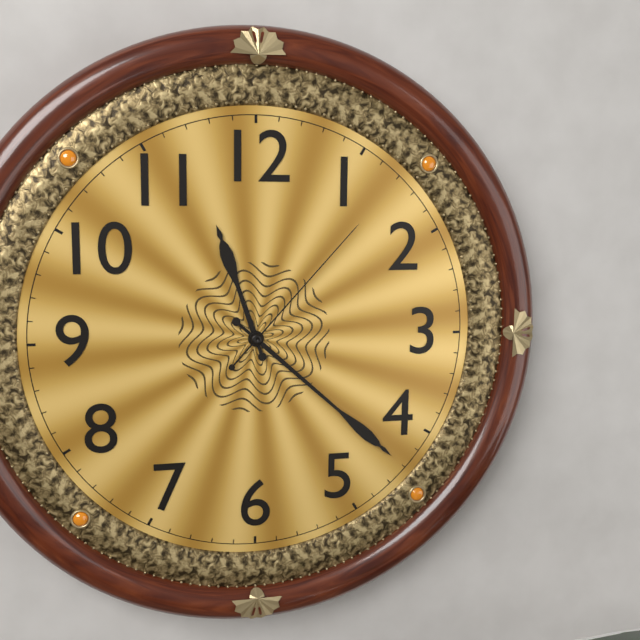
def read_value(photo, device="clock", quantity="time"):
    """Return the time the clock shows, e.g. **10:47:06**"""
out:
**11:22:07**
